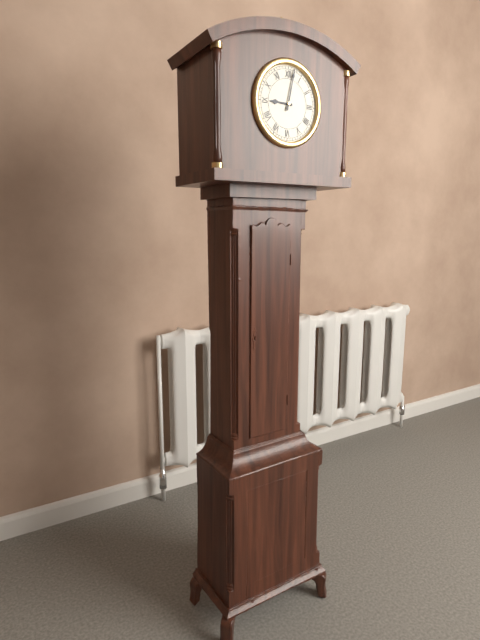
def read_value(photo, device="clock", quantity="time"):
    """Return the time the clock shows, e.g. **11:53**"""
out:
**9:02**
